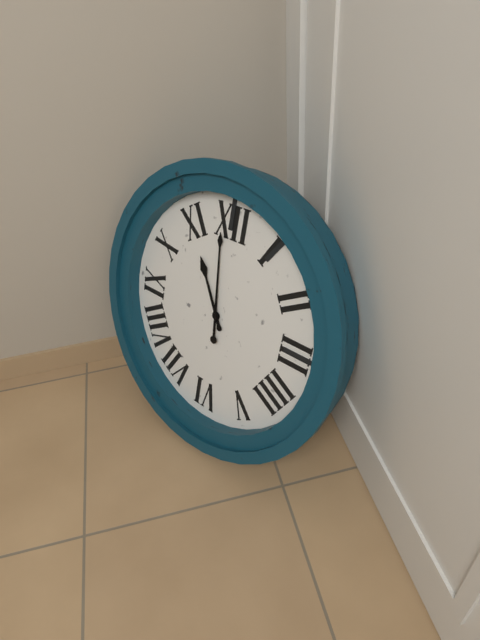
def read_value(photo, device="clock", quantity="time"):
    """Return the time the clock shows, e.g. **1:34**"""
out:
**10:59**
